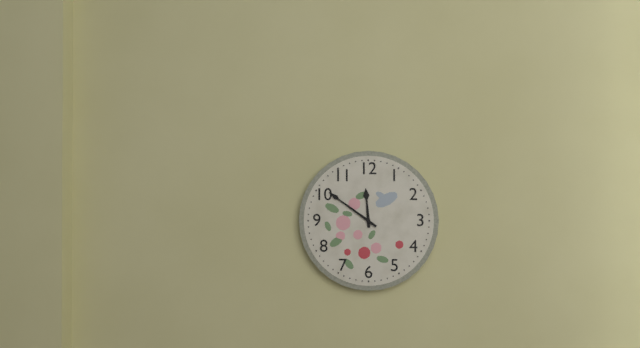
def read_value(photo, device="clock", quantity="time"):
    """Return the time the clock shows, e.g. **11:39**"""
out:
**11:51**
